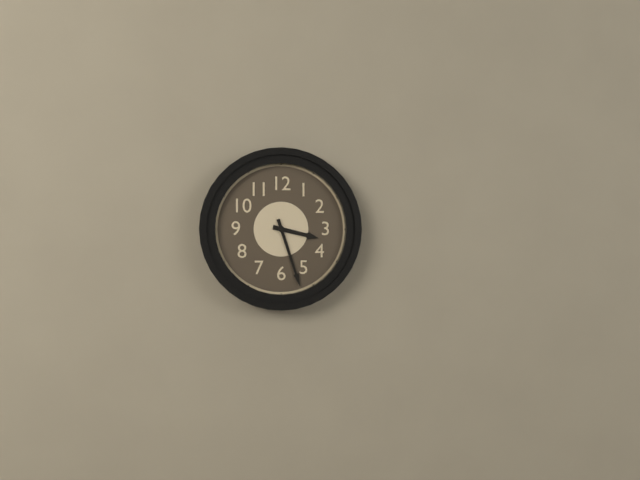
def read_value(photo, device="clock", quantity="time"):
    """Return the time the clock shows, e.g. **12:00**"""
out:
**3:27**
